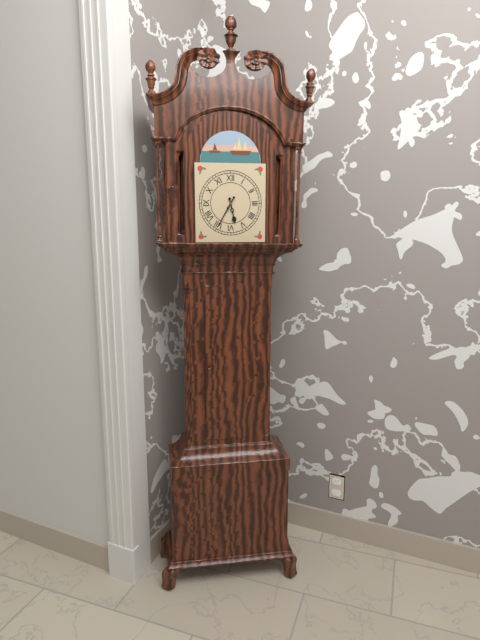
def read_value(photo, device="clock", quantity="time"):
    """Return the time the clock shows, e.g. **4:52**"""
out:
**5:35**
